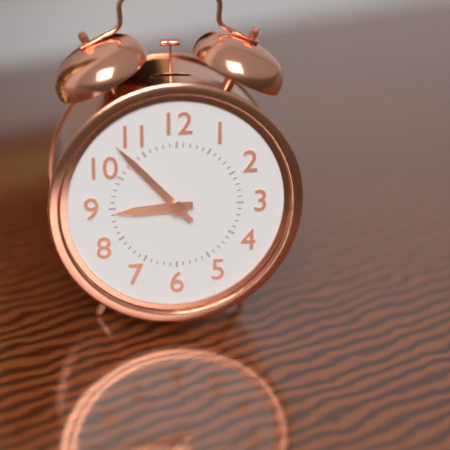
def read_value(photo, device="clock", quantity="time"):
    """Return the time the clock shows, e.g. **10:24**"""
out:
**8:53**
